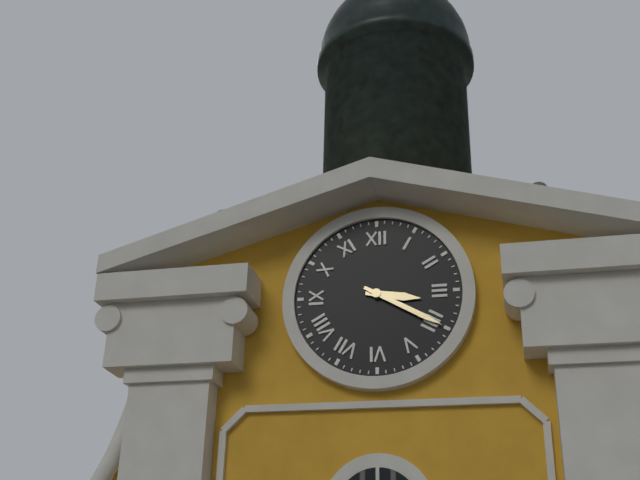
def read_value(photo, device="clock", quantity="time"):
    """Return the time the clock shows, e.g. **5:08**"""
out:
**3:20**
